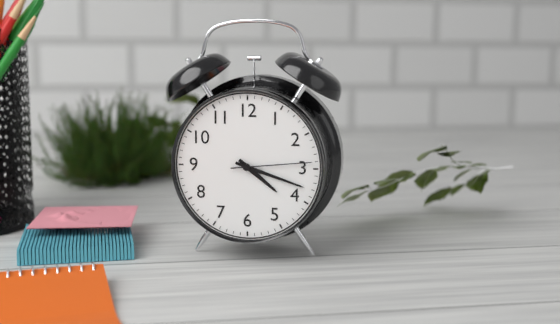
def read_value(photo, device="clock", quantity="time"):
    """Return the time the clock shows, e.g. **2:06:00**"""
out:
**4:18:14**
